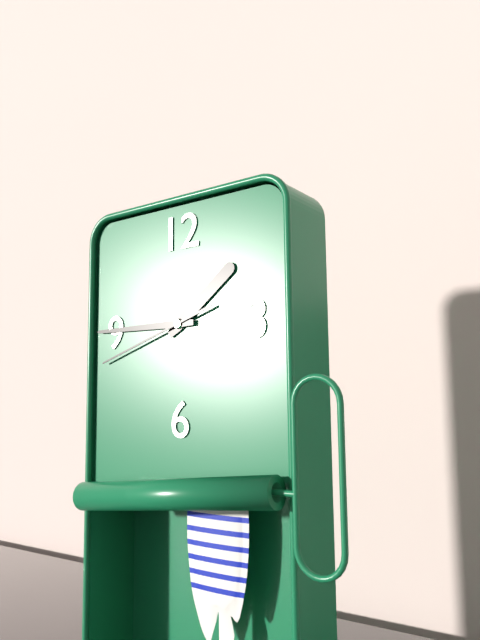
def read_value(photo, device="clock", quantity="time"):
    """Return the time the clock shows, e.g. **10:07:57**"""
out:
**1:45:42**
